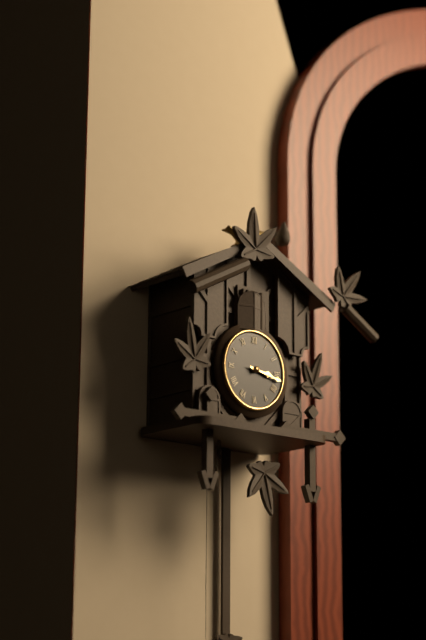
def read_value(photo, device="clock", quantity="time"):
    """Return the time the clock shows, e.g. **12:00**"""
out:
**3:17**
